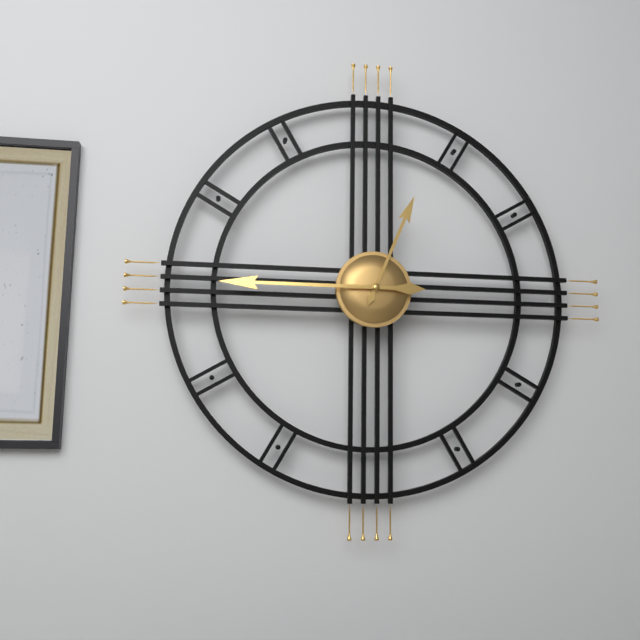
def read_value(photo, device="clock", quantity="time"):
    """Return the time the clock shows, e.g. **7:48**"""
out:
**12:45**
